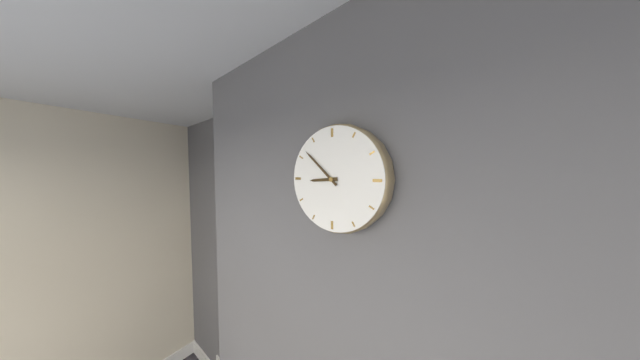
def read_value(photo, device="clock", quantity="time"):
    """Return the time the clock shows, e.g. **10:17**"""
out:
**8:52**
